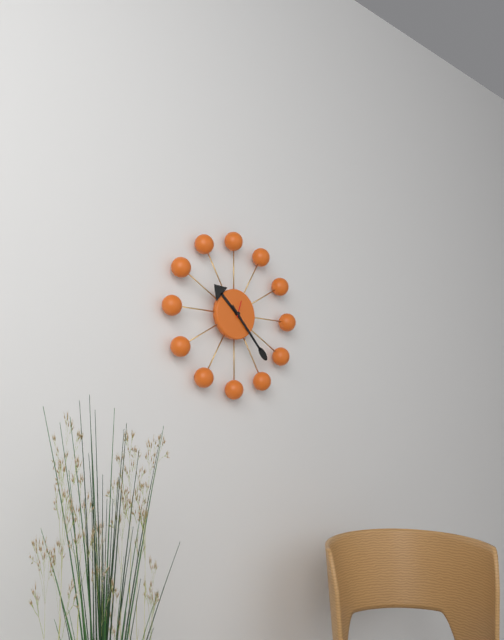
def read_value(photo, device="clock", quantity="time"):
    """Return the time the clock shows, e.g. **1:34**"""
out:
**10:23**
